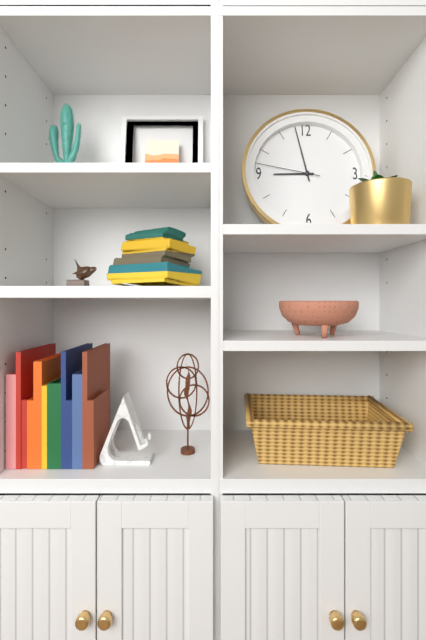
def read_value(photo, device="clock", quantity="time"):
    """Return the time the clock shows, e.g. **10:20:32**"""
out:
**8:58:47**
